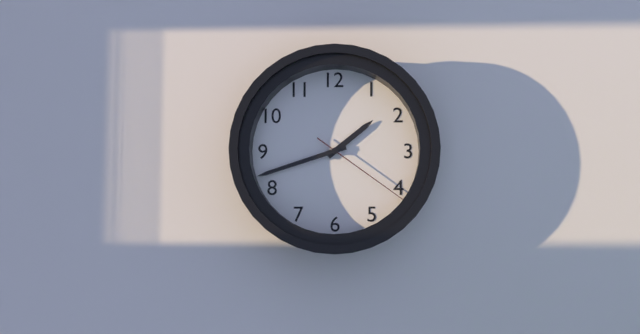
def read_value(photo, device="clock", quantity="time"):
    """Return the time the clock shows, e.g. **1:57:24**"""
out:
**1:42:21**
